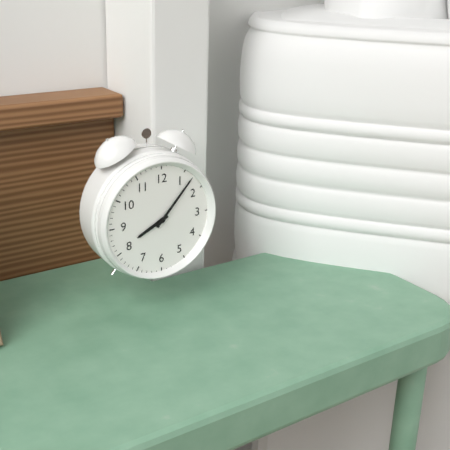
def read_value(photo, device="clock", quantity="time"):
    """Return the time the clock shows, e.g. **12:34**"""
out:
**8:07**
